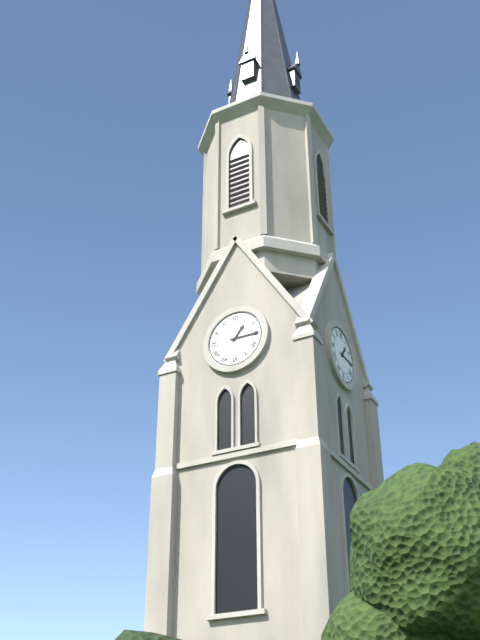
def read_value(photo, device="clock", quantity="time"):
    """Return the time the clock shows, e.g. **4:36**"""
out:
**1:15**
